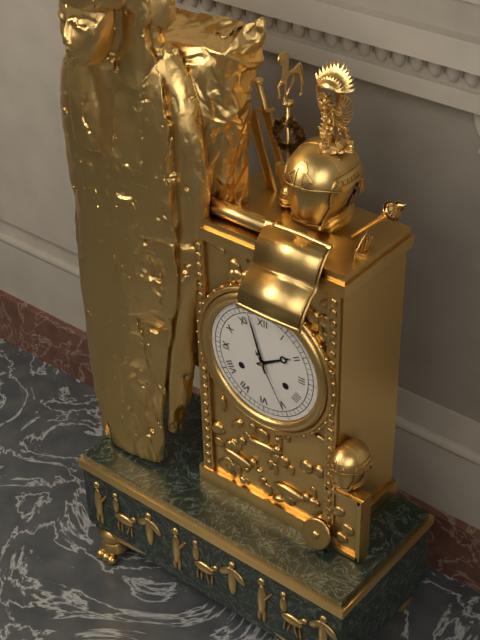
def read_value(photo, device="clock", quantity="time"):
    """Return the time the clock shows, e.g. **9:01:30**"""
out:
**1:57:25**
